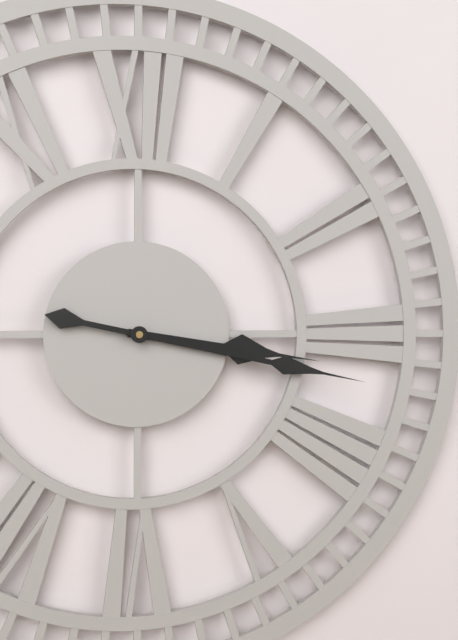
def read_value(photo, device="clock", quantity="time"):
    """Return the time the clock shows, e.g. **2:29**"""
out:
**3:17**
